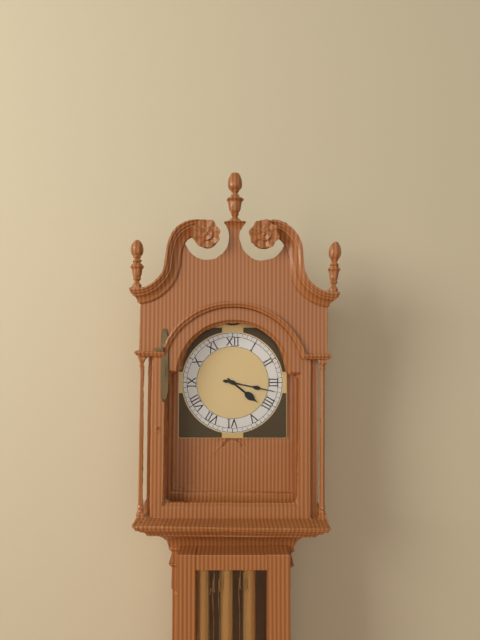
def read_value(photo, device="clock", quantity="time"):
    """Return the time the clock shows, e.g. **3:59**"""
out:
**4:17**
